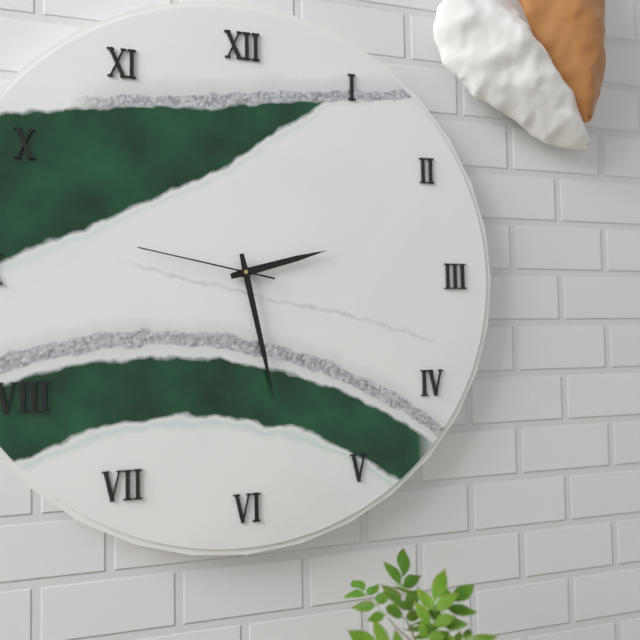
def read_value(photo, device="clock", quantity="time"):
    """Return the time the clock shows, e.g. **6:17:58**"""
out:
**2:28:47**
